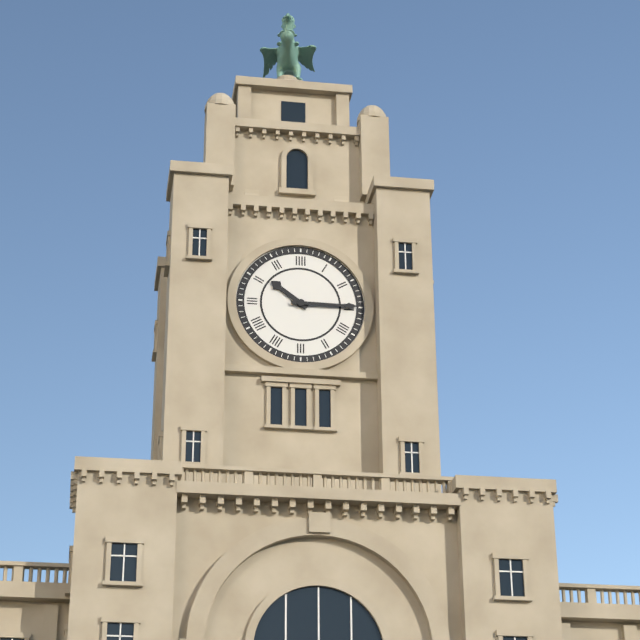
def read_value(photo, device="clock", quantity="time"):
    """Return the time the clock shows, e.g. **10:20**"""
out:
**10:15**
